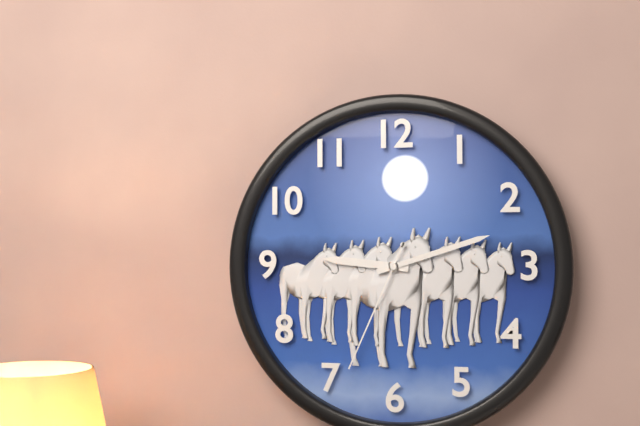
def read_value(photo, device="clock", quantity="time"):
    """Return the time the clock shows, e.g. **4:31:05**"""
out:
**9:12:34**
